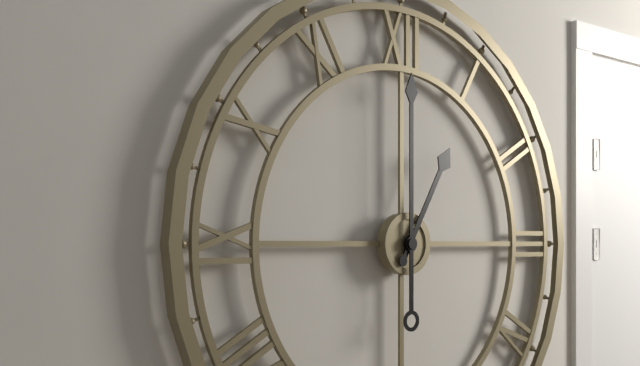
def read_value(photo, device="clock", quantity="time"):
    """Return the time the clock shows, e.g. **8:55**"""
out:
**1:00**
